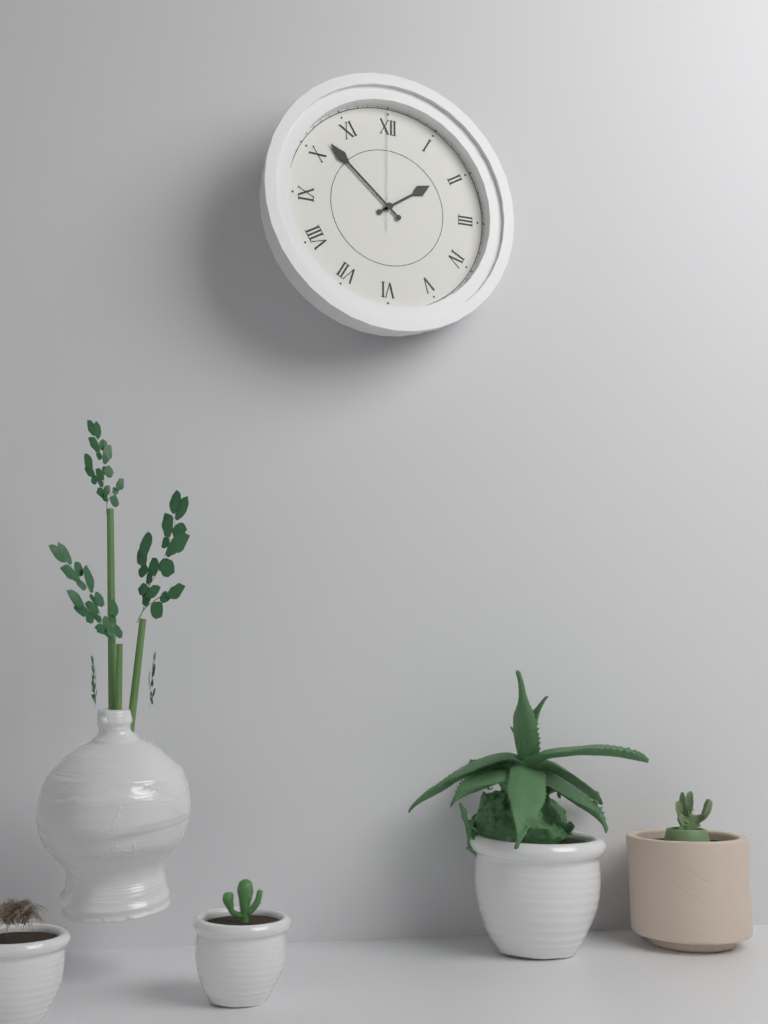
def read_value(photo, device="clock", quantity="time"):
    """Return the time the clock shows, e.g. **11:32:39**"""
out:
**1:52:00**
